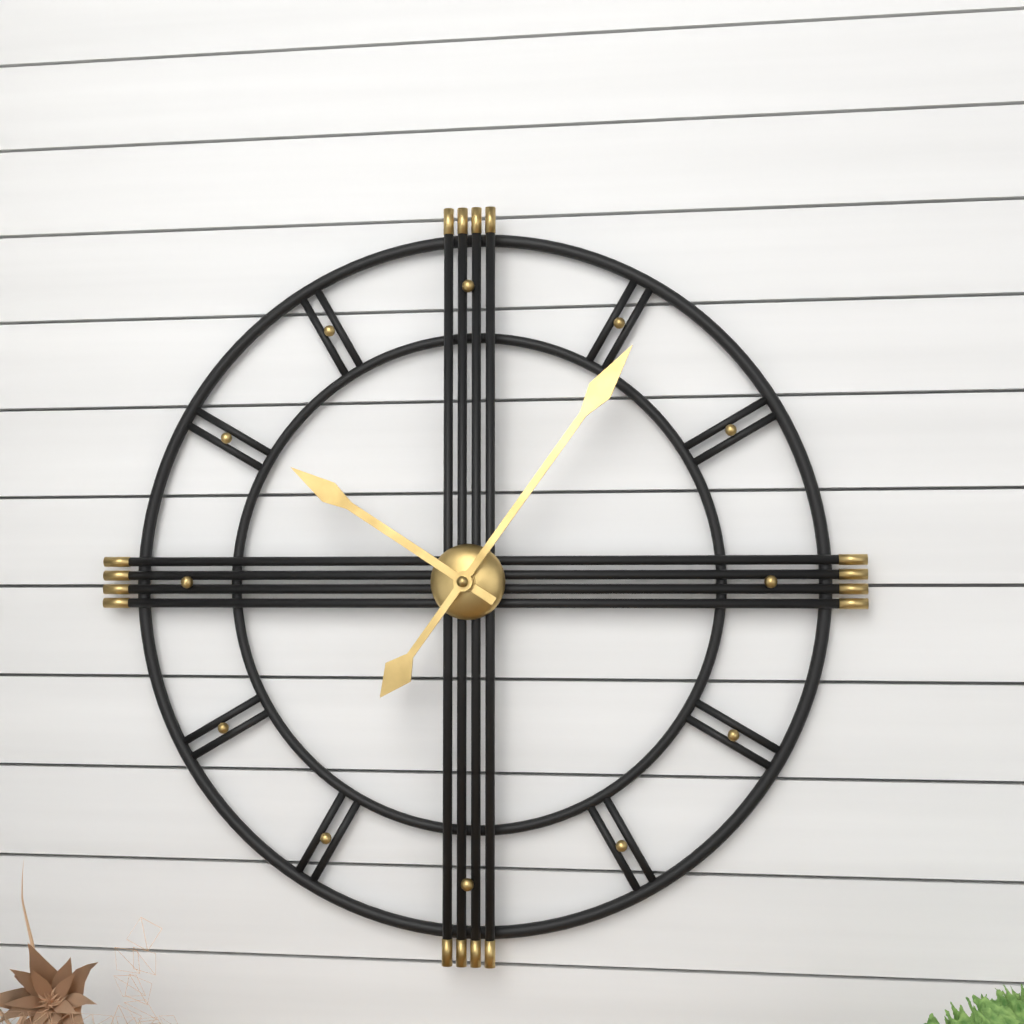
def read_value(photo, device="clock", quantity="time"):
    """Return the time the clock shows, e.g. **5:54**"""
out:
**10:06**
